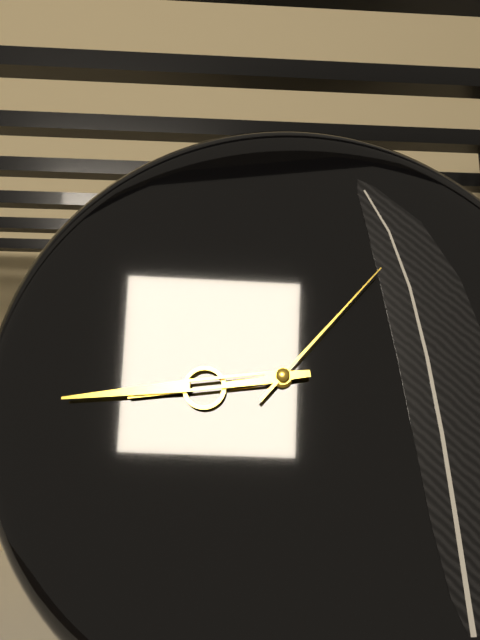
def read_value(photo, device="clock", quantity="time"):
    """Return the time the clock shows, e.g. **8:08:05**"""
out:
**8:44:07**
